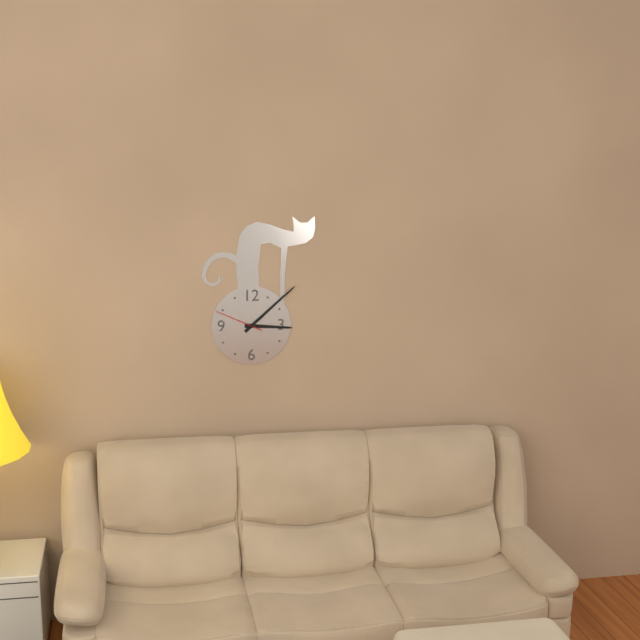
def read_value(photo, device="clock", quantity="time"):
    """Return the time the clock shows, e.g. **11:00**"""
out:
**3:08**
